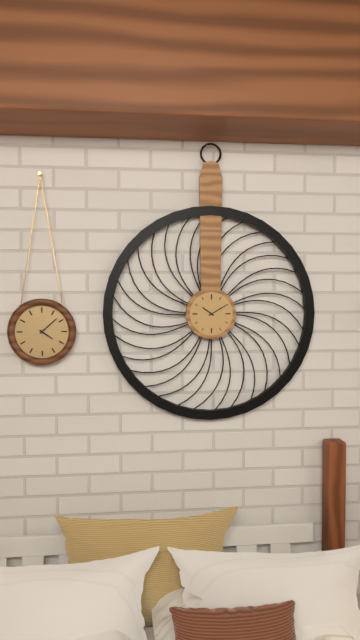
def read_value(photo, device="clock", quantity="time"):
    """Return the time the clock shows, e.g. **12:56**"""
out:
**10:10**
